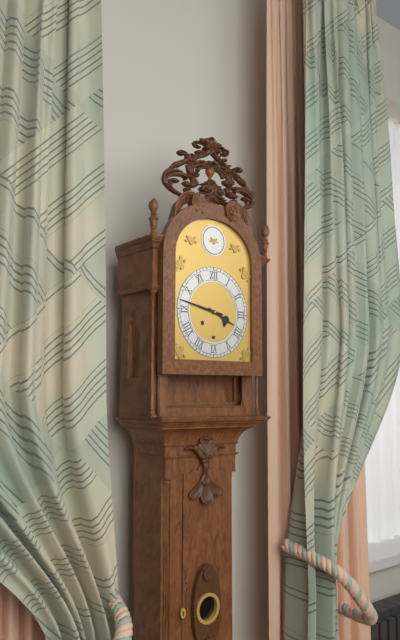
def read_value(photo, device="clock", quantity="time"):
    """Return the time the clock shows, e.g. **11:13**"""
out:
**3:47**
